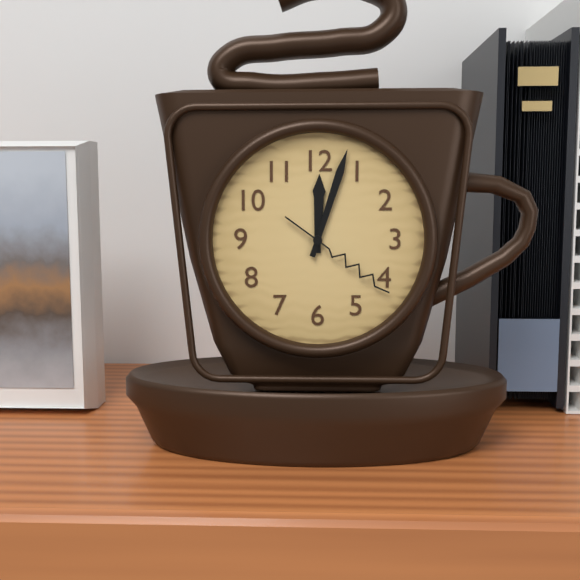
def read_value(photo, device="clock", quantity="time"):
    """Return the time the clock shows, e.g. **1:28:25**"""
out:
**12:03:21**
